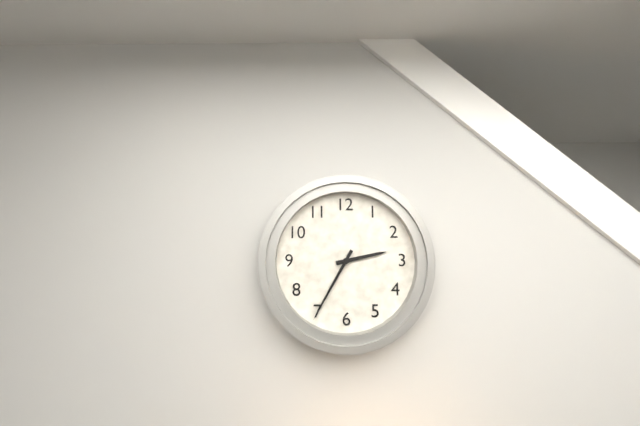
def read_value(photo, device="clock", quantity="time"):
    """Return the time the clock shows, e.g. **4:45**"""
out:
**2:35**
